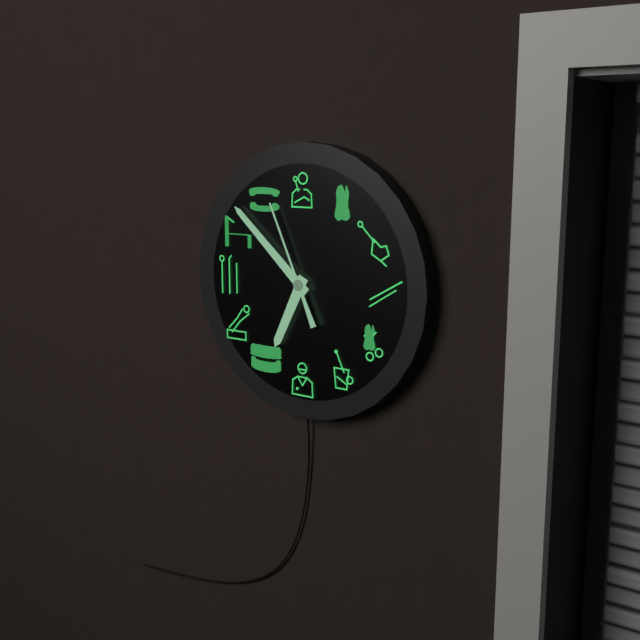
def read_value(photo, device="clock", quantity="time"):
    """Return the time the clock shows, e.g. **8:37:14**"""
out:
**6:52:56**
